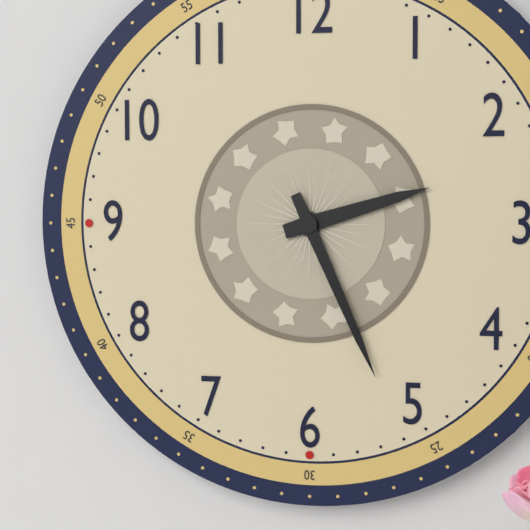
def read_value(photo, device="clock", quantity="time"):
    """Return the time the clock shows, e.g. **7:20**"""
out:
**2:26**
